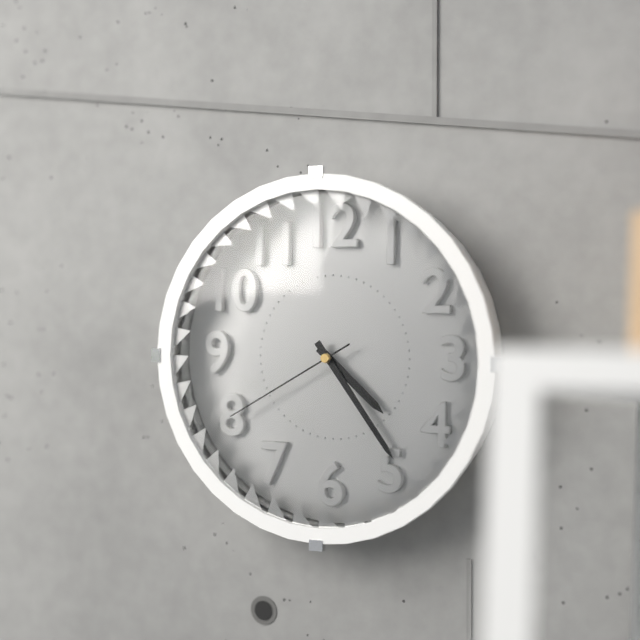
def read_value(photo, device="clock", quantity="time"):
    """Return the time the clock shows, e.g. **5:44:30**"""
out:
**4:24:40**
